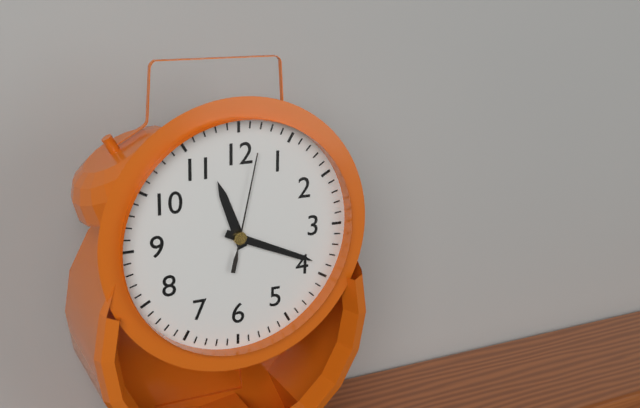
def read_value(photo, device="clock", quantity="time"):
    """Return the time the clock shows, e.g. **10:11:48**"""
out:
**11:19:02**
